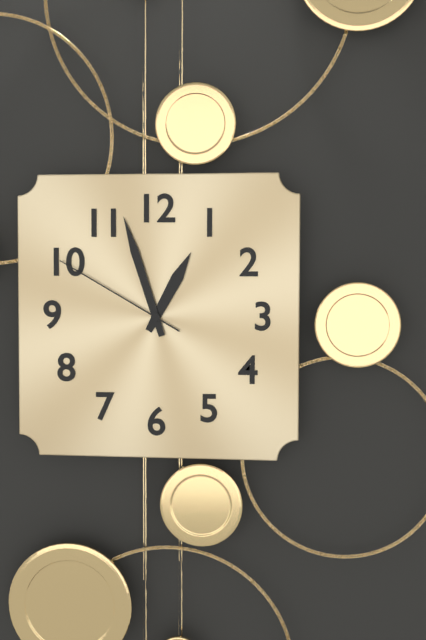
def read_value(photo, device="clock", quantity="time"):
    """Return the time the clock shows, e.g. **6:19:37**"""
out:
**12:57:50**
